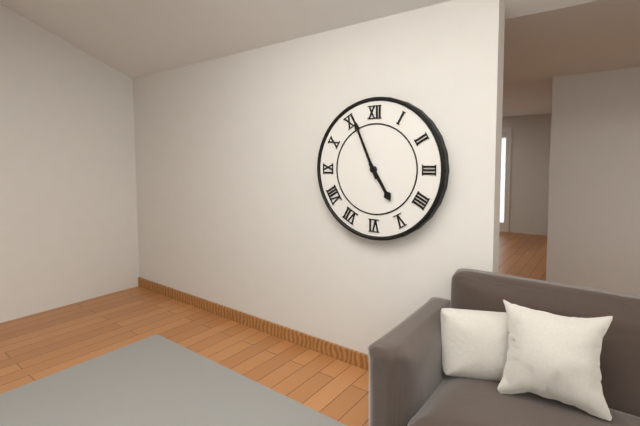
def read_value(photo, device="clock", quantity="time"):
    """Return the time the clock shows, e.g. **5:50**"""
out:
**4:56**
